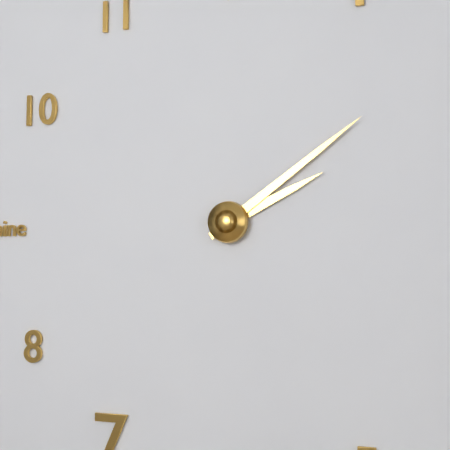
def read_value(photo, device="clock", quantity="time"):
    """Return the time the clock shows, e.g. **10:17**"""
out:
**2:09**
